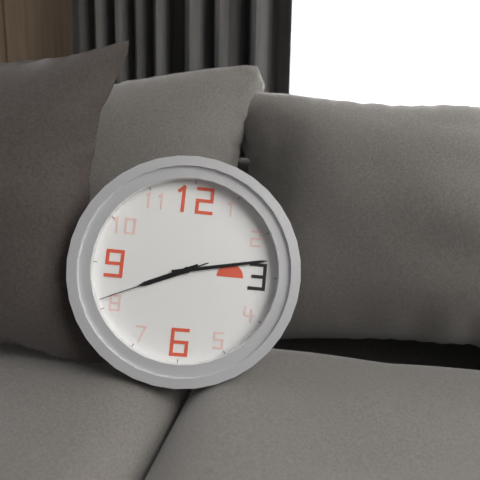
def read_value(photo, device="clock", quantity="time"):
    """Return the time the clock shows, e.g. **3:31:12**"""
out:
**8:13:41**
